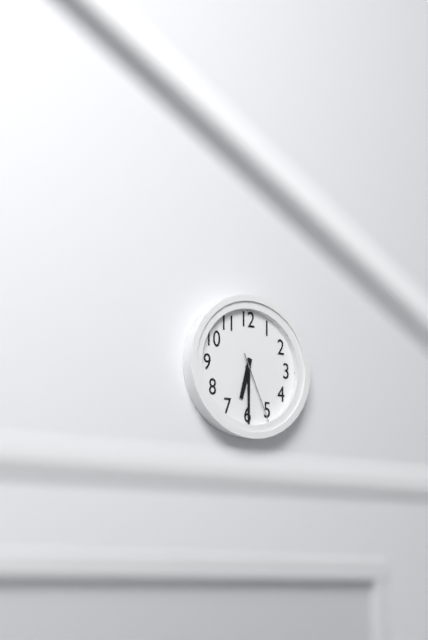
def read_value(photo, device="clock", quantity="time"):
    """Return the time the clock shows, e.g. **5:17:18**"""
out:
**6:30:26**
